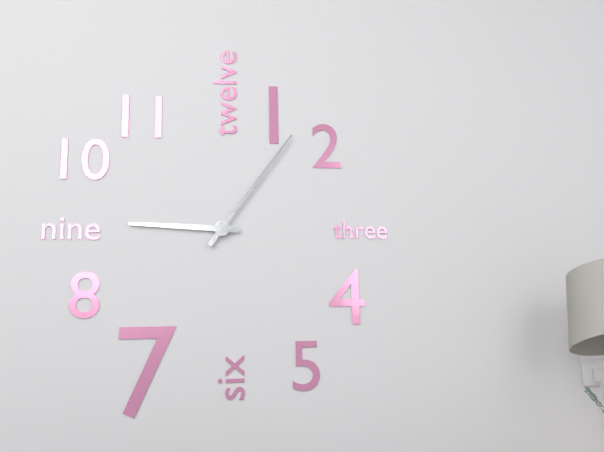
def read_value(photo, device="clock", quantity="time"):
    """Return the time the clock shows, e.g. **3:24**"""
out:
**9:06**
